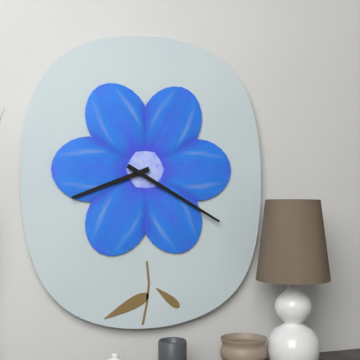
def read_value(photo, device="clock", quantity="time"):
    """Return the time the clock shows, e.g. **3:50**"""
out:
**8:20**
